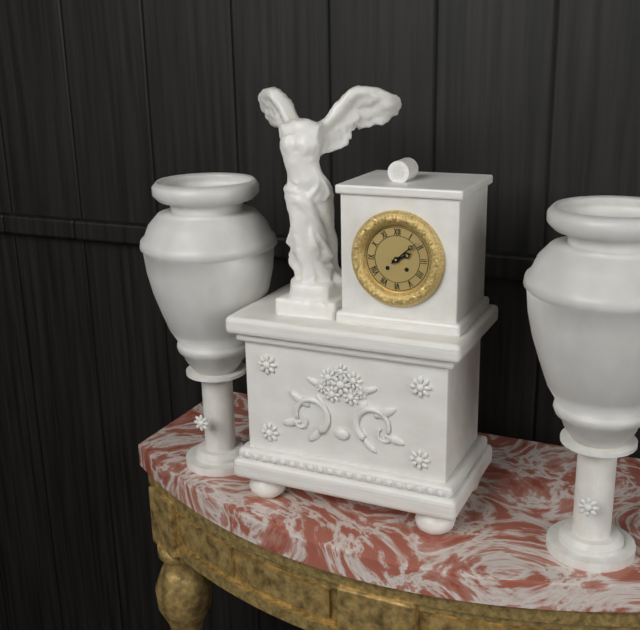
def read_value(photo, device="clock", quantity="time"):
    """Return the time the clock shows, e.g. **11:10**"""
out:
**2:08**
